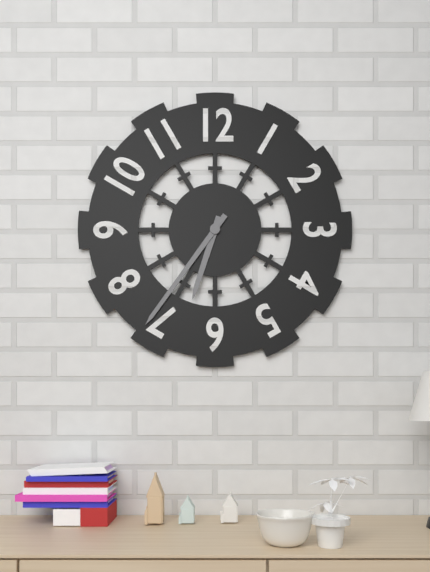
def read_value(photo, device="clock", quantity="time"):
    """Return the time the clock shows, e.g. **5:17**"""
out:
**6:36**
